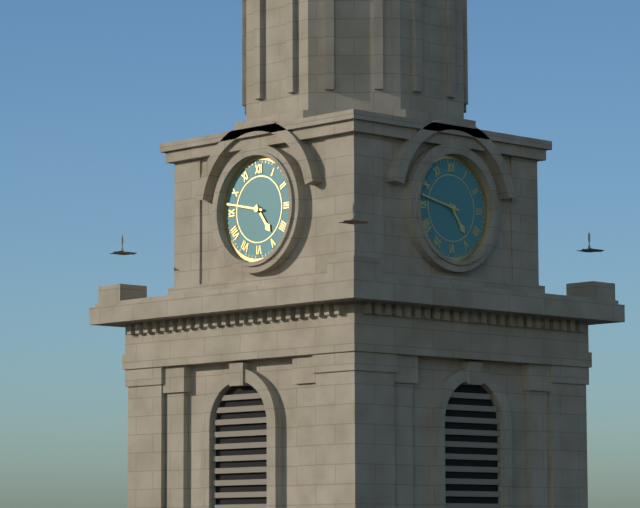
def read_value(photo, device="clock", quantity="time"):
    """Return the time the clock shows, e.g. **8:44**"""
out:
**4:47**
